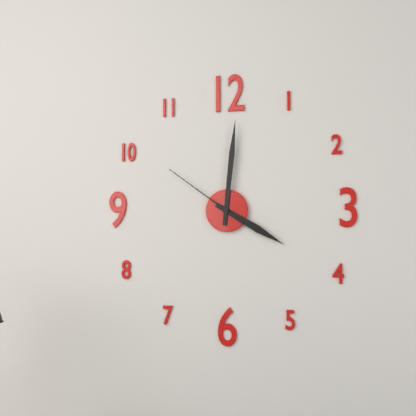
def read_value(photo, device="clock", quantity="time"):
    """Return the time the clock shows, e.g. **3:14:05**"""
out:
**4:01:51**
